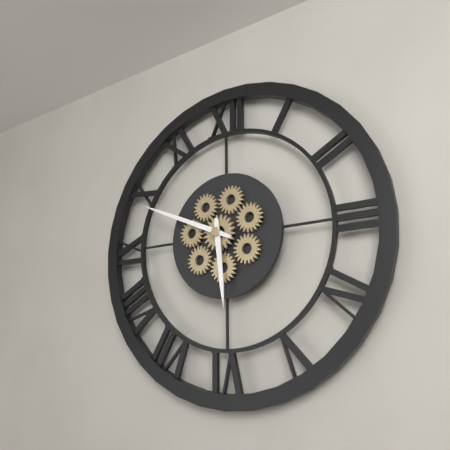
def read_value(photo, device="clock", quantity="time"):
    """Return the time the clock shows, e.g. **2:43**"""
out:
**5:49**
